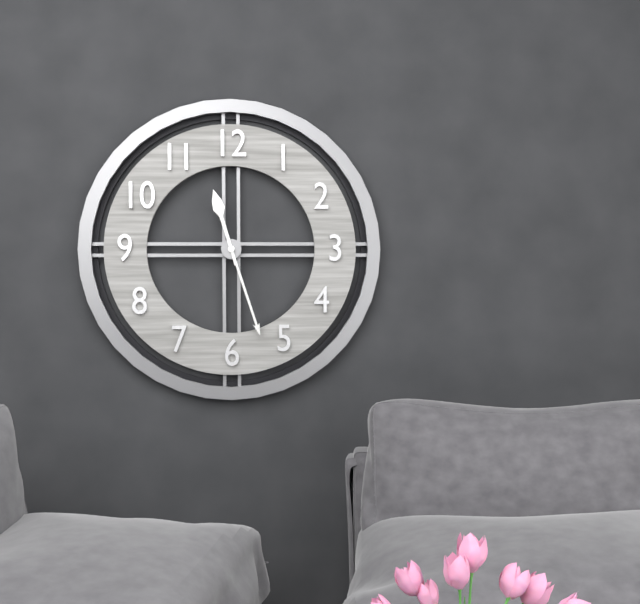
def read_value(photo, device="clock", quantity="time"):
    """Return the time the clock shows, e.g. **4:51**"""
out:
**11:27**
